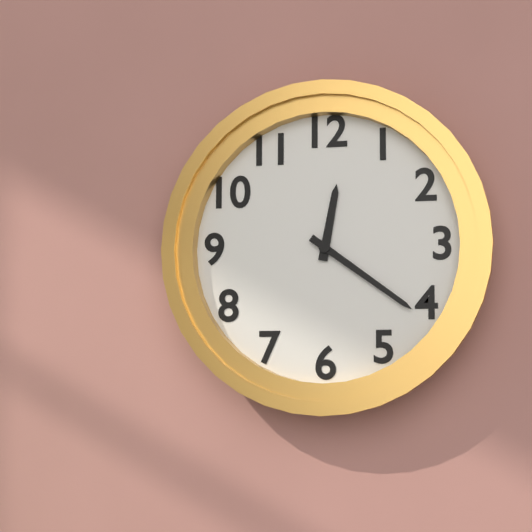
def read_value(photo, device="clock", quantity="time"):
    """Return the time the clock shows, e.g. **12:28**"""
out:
**12:21**
